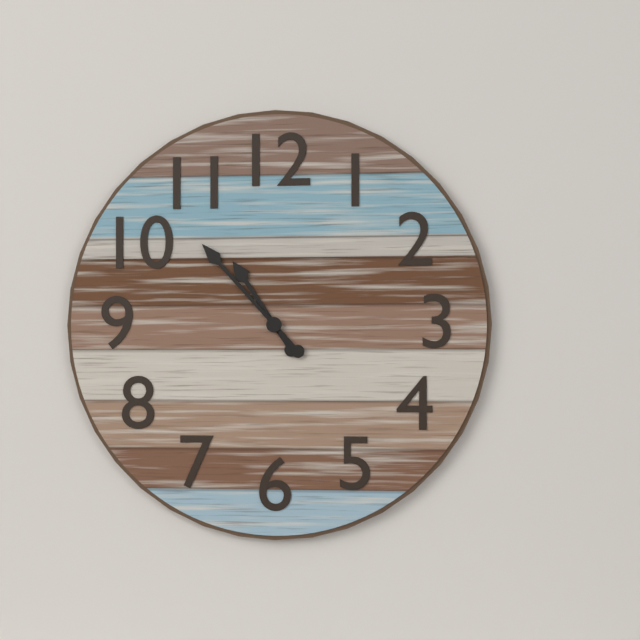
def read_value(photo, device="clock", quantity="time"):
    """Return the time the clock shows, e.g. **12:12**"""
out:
**10:53**
